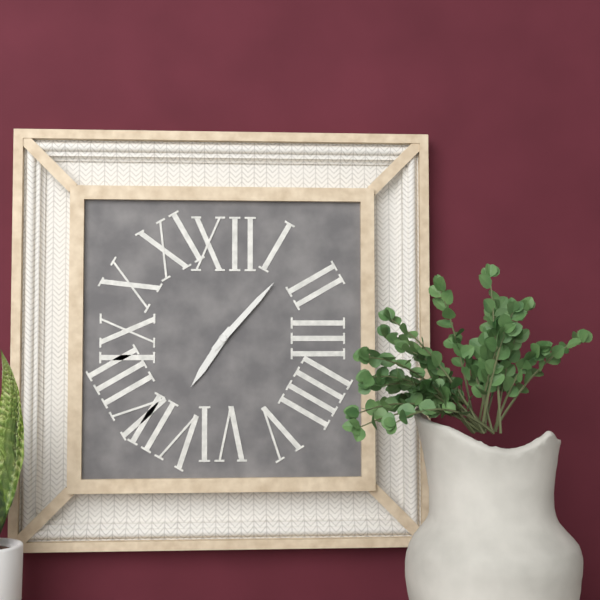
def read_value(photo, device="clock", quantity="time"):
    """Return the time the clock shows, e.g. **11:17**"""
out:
**7:07**
